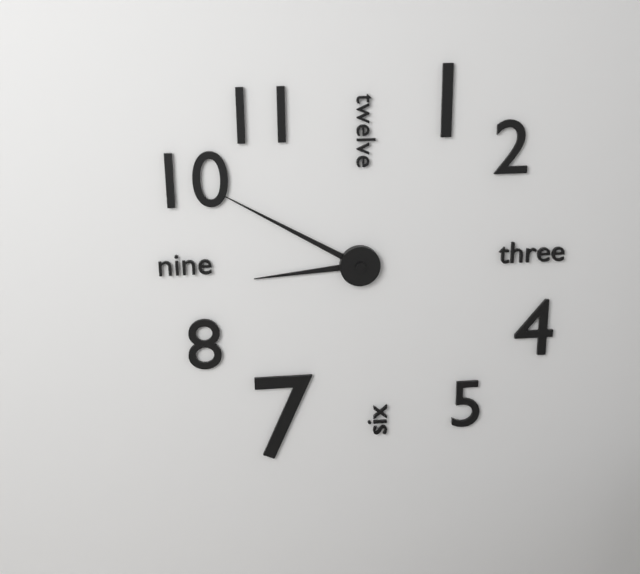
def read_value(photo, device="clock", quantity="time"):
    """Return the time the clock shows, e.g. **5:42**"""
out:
**8:50**
